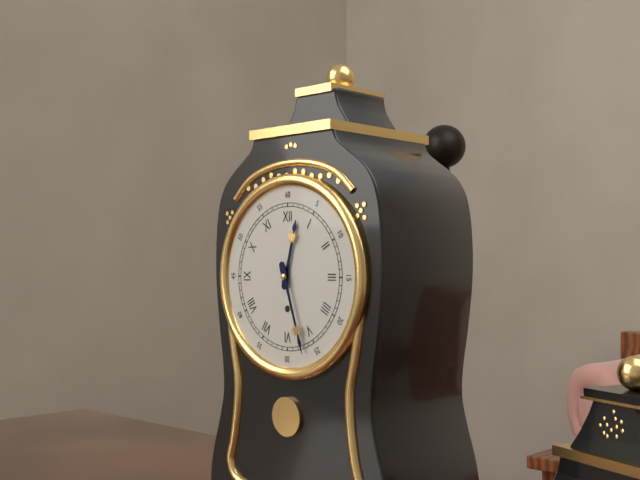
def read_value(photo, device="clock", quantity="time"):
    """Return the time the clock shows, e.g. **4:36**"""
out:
**12:27**
